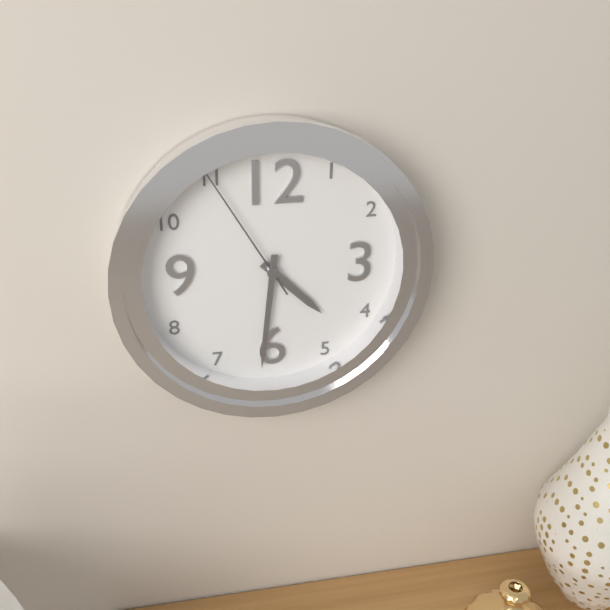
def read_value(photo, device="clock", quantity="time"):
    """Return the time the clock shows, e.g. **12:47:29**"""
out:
**4:31:55**
